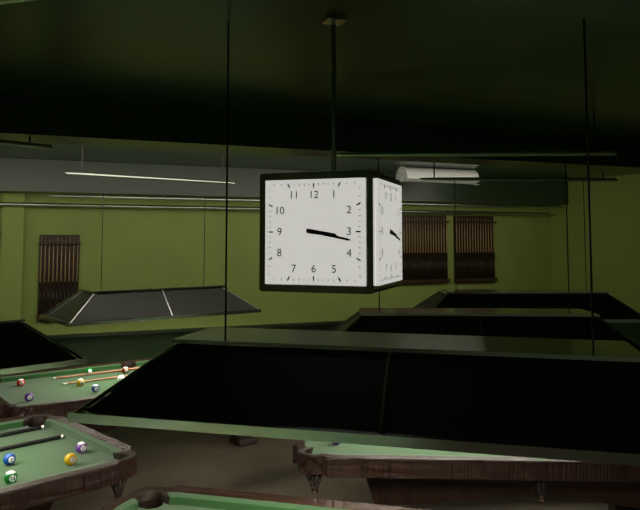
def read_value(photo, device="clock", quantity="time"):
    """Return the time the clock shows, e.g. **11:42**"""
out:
**3:17**
